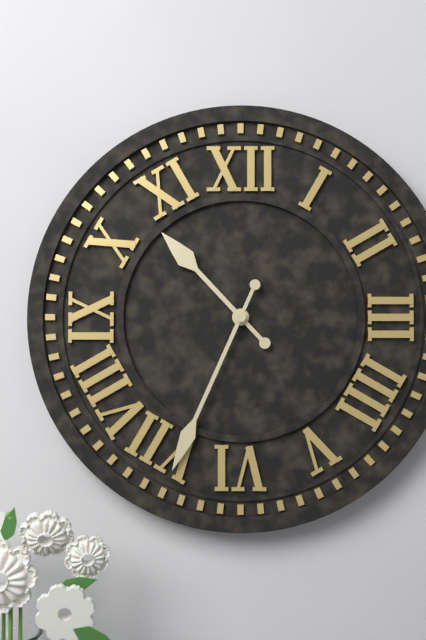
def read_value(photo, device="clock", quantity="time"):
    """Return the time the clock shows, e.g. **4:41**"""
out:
**10:34**
